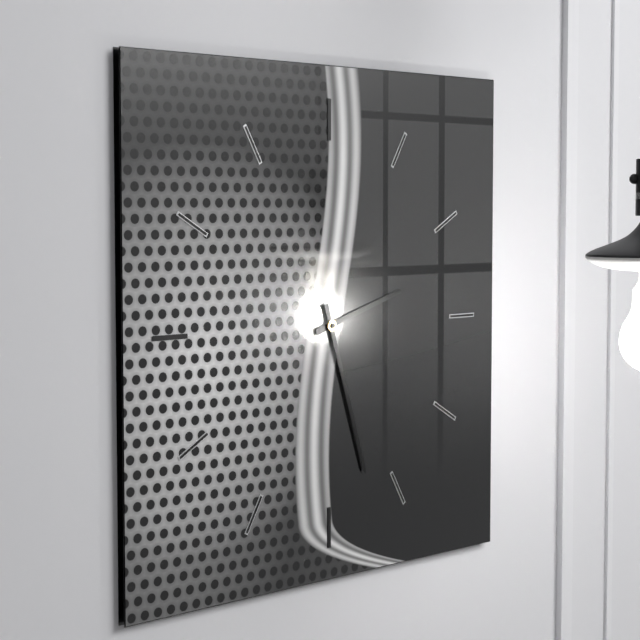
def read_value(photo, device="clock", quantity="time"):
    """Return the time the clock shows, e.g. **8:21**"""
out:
**2:27**
